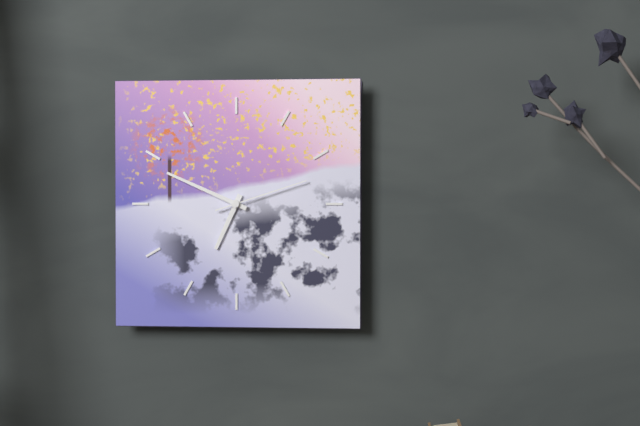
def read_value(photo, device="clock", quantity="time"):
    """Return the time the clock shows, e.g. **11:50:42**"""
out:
**6:49:12**
